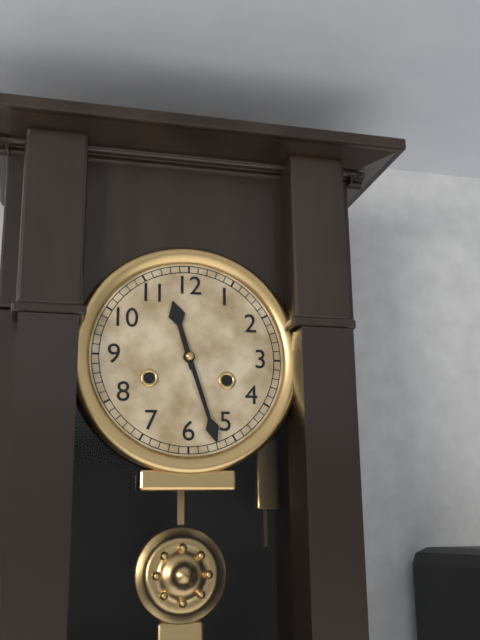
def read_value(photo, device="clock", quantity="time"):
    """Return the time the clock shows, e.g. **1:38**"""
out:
**11:27**
